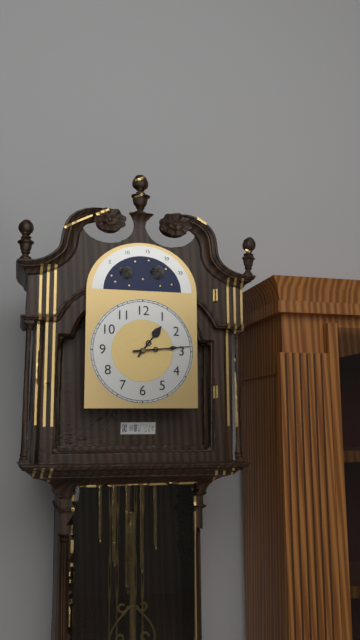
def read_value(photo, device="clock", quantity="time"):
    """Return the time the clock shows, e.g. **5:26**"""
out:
**1:14**
